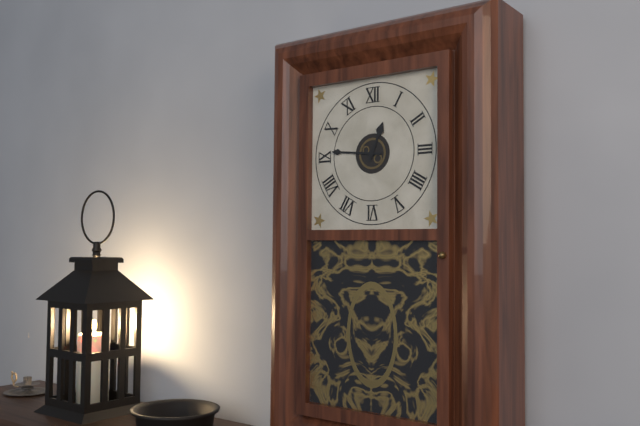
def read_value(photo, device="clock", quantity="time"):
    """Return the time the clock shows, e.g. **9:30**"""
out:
**12:46**
